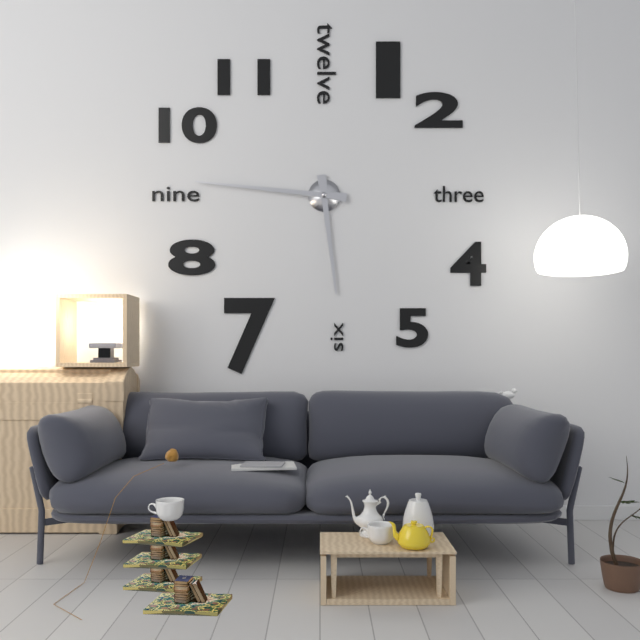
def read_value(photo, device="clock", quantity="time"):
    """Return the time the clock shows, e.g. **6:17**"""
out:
**5:46**
